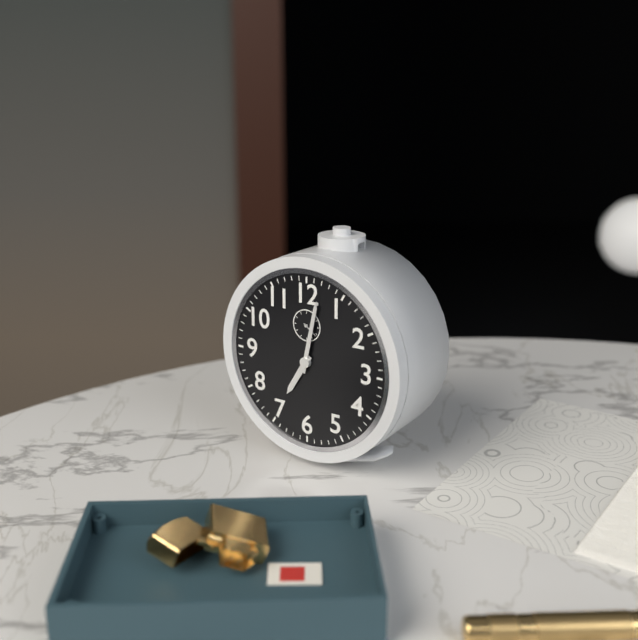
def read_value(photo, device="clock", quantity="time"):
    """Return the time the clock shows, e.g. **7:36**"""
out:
**7:02**
